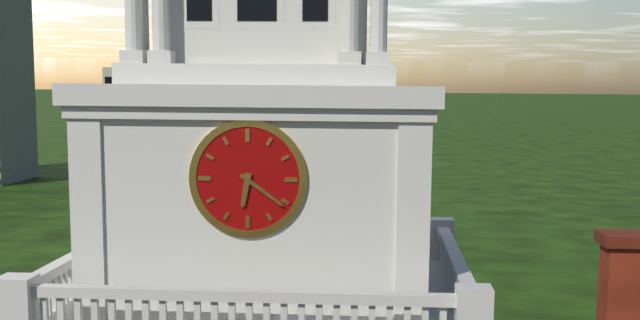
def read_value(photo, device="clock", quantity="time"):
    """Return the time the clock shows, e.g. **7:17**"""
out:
**6:21**
